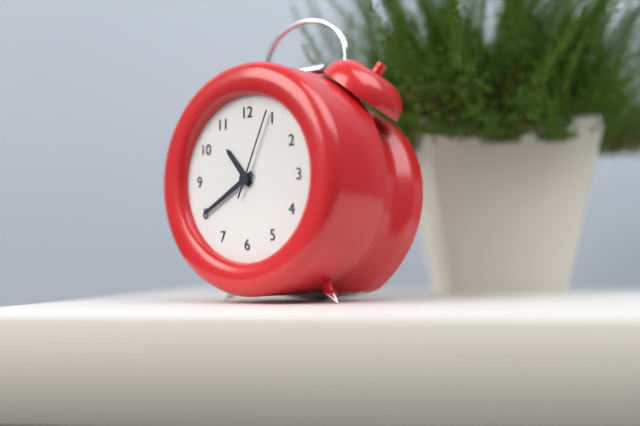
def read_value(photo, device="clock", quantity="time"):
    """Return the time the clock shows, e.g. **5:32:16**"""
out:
**10:40:04**
